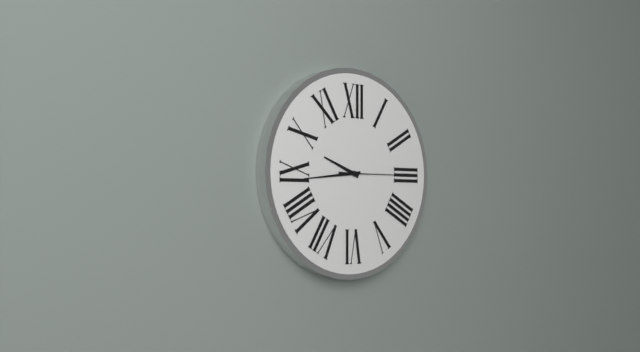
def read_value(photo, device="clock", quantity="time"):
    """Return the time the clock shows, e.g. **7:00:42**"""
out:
**9:44:15**
